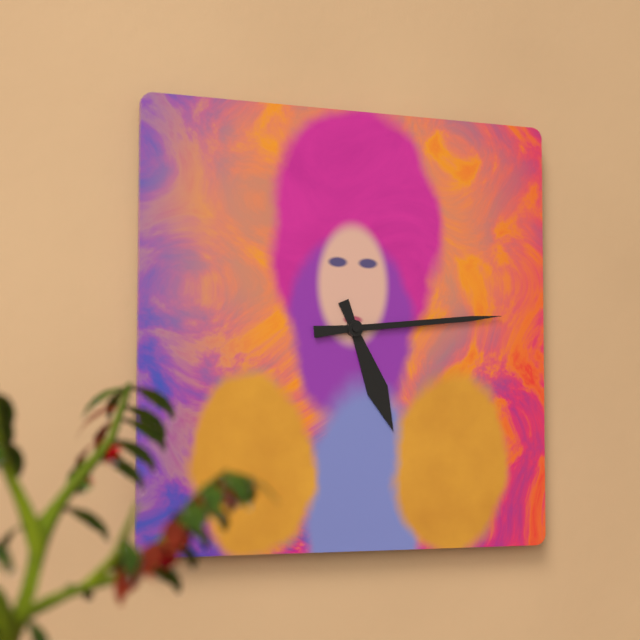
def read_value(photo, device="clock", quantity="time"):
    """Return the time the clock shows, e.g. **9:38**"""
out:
**5:14**
